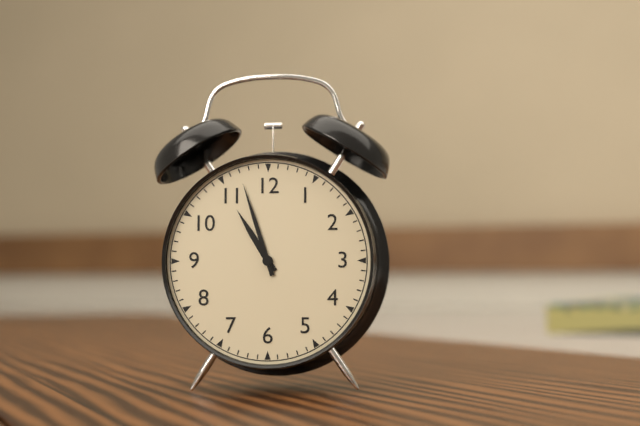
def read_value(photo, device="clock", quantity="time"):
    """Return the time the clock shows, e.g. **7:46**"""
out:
**10:57**
